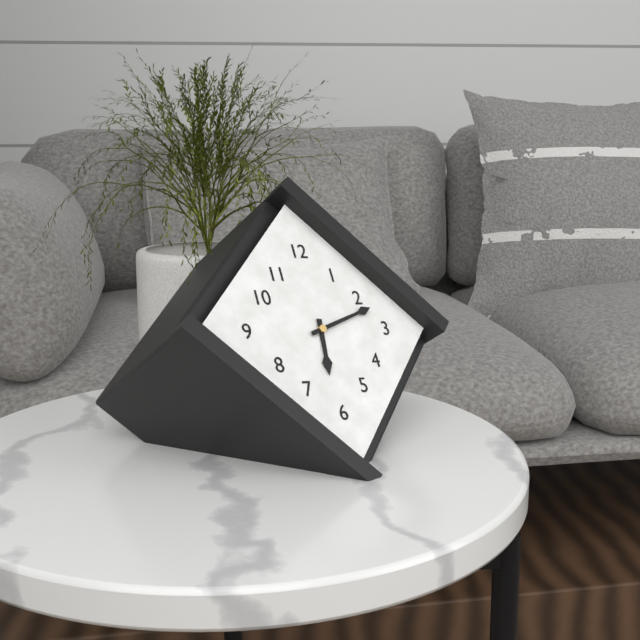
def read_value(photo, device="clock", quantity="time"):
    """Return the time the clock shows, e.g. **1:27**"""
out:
**6:12**
